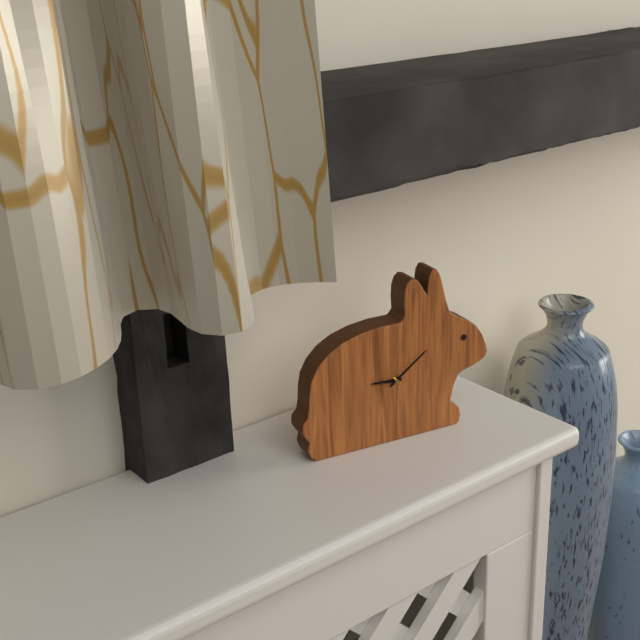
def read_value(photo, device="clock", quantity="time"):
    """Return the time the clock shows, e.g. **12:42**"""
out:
**9:09**
